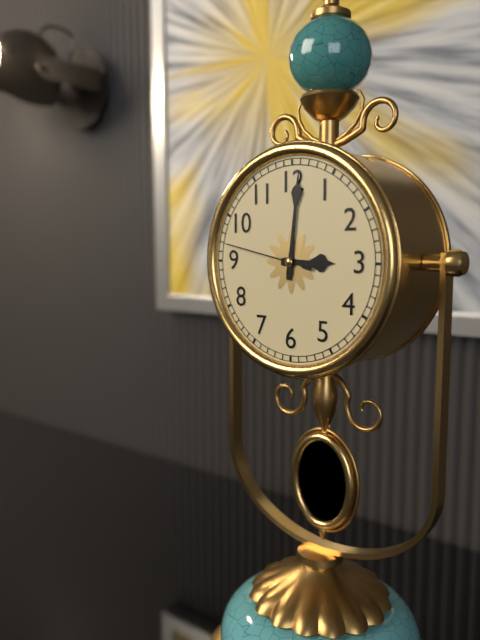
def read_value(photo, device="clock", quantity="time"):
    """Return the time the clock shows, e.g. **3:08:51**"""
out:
**3:01:47**
